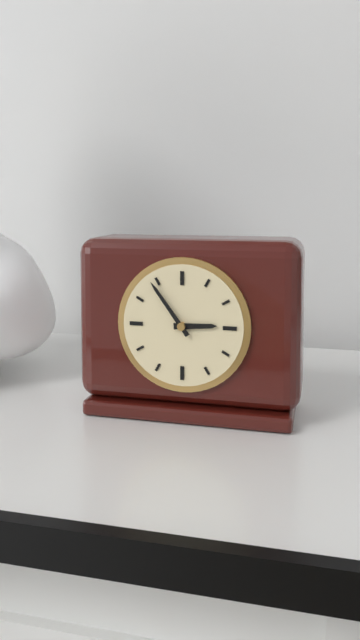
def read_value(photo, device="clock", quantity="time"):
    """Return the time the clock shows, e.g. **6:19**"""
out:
**2:54**
